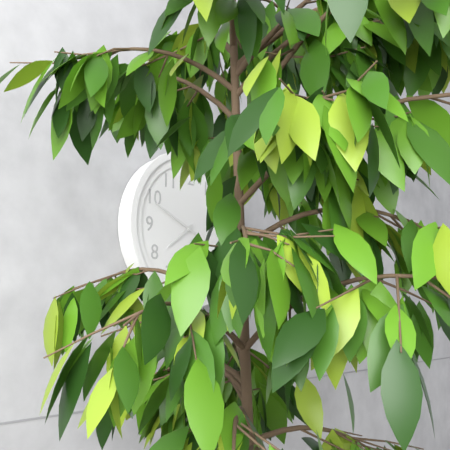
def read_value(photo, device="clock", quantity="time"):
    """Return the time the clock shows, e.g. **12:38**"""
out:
**7:49**
